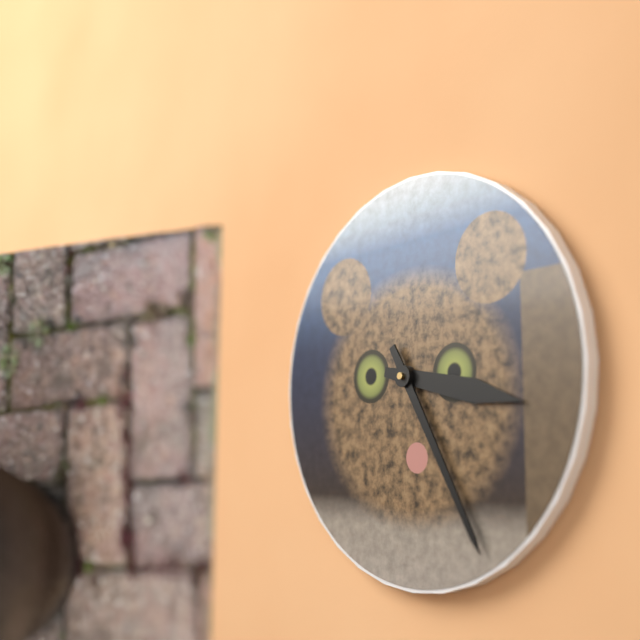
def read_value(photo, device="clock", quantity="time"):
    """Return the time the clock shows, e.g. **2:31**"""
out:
**3:25**
